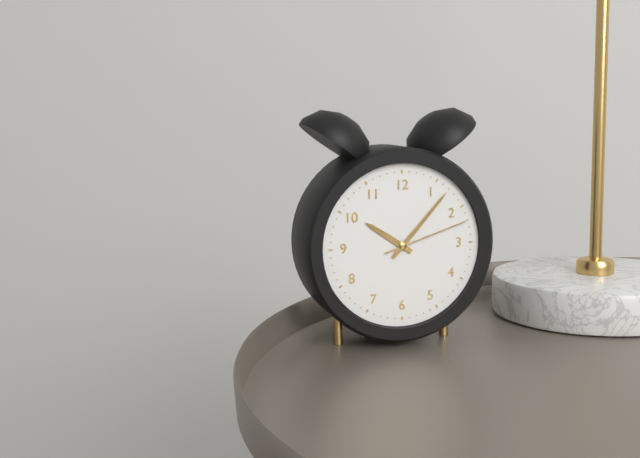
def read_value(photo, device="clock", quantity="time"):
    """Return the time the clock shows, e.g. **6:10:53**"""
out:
**10:07:12**
